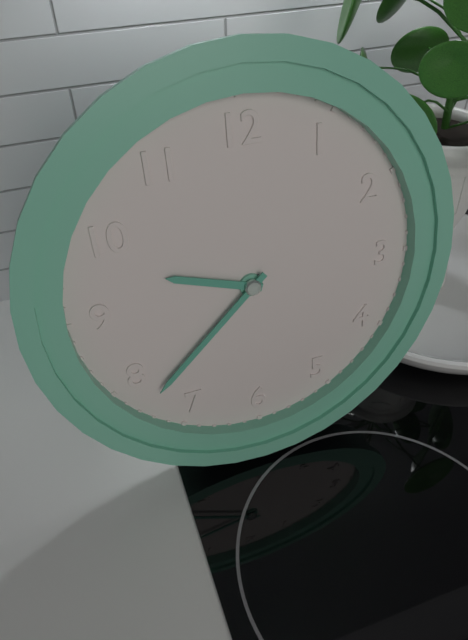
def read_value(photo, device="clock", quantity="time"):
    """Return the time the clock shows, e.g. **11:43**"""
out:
**9:38**
